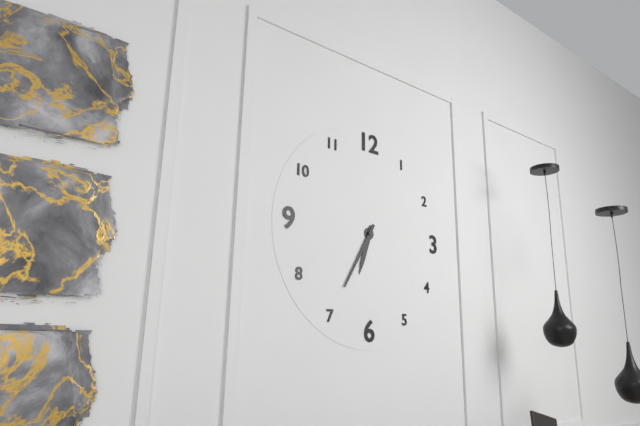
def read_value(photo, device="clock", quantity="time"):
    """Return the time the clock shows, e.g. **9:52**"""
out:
**6:35**
